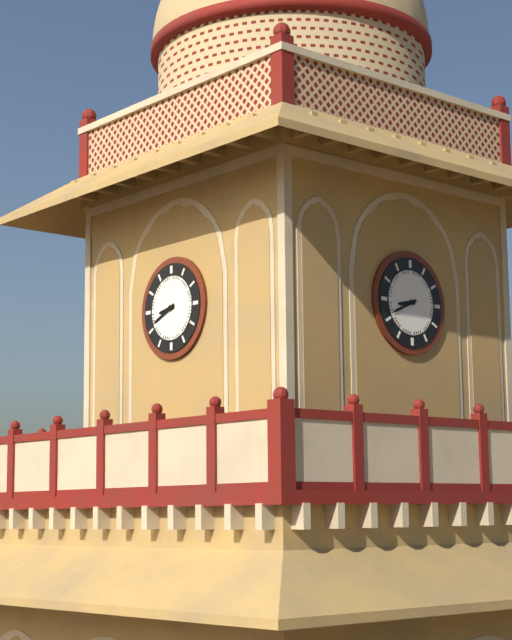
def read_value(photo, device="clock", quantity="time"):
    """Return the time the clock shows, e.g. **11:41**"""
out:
**8:41**
